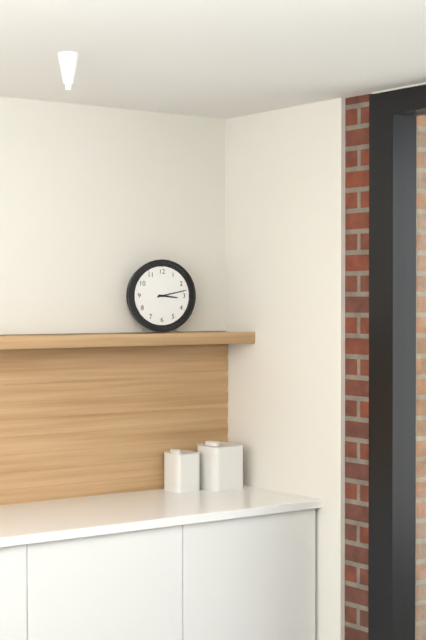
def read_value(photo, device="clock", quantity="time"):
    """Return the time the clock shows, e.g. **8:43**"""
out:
**3:13**
